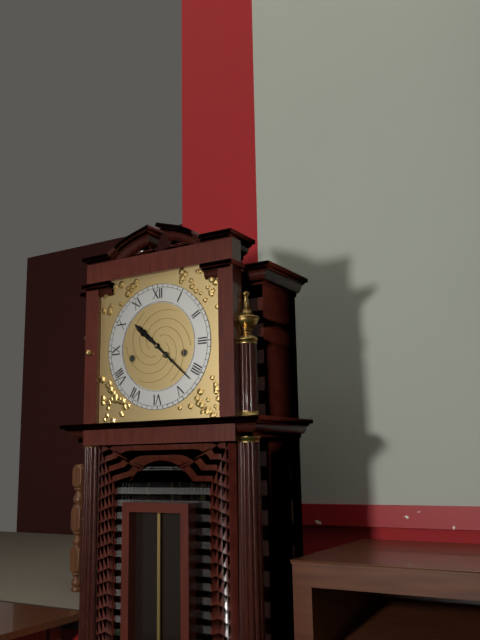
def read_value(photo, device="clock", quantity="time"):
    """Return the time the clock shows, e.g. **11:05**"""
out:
**10:22**
